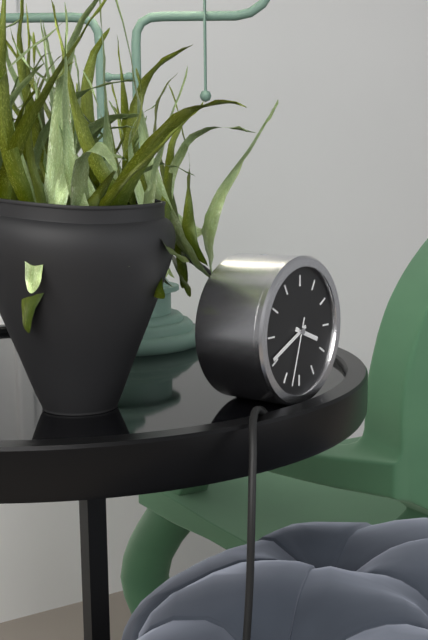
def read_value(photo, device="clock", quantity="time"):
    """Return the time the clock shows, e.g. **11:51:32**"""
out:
**3:41:33**
